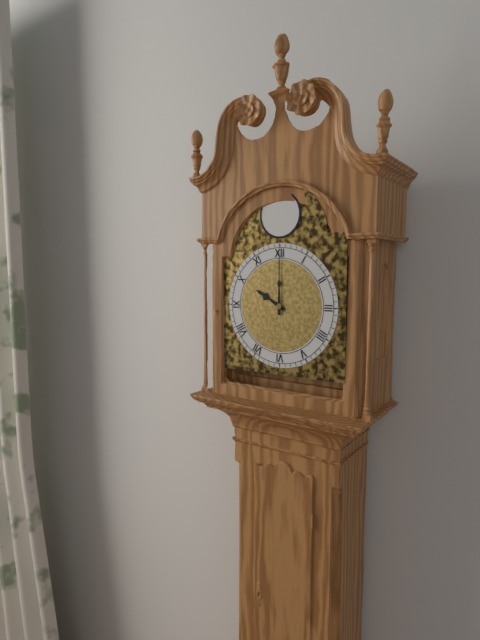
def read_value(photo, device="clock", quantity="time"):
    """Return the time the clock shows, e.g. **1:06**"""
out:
**10:00**
